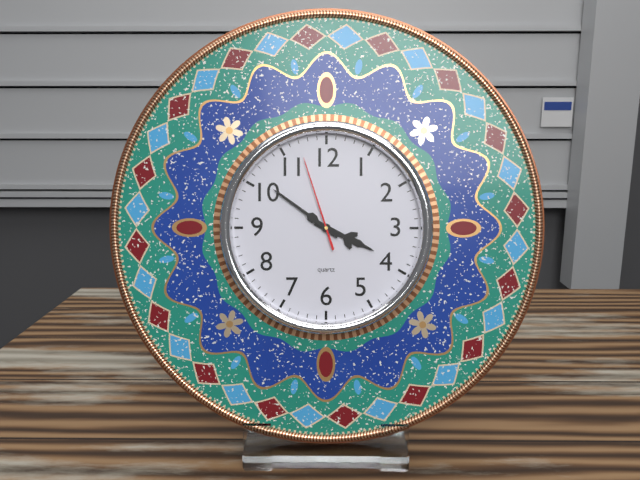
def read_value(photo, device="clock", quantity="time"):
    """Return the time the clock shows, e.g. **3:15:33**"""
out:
**3:51:57**
